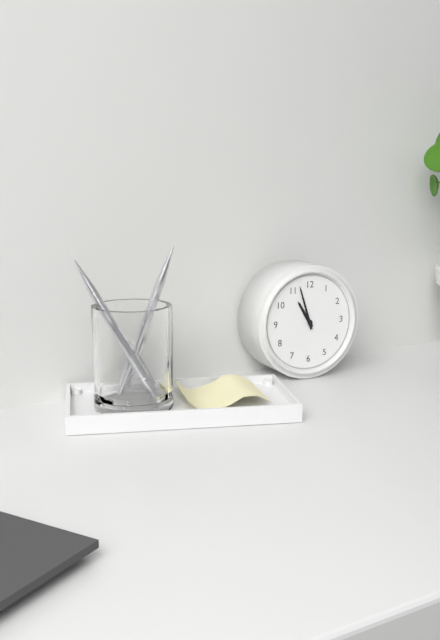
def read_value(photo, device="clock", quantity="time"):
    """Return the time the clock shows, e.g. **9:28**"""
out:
**10:57**
